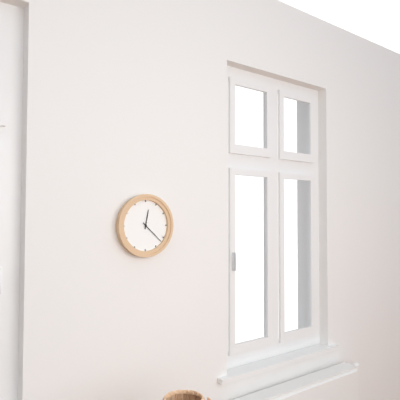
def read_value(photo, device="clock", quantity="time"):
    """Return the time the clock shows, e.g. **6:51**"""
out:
**12:22**
